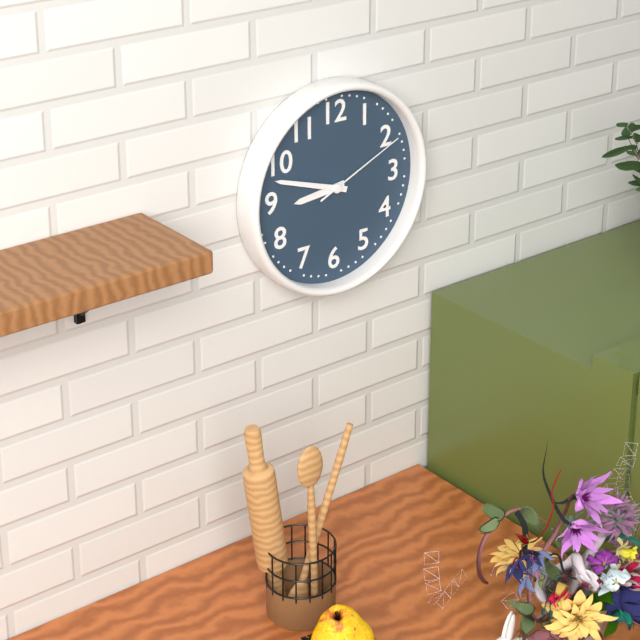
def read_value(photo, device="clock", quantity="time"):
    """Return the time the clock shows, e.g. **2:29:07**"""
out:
**8:48:11**
